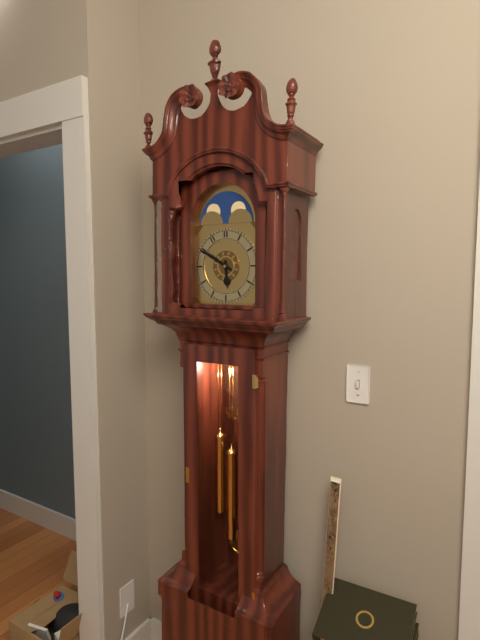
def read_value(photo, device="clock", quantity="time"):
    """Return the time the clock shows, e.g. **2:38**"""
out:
**5:50**
